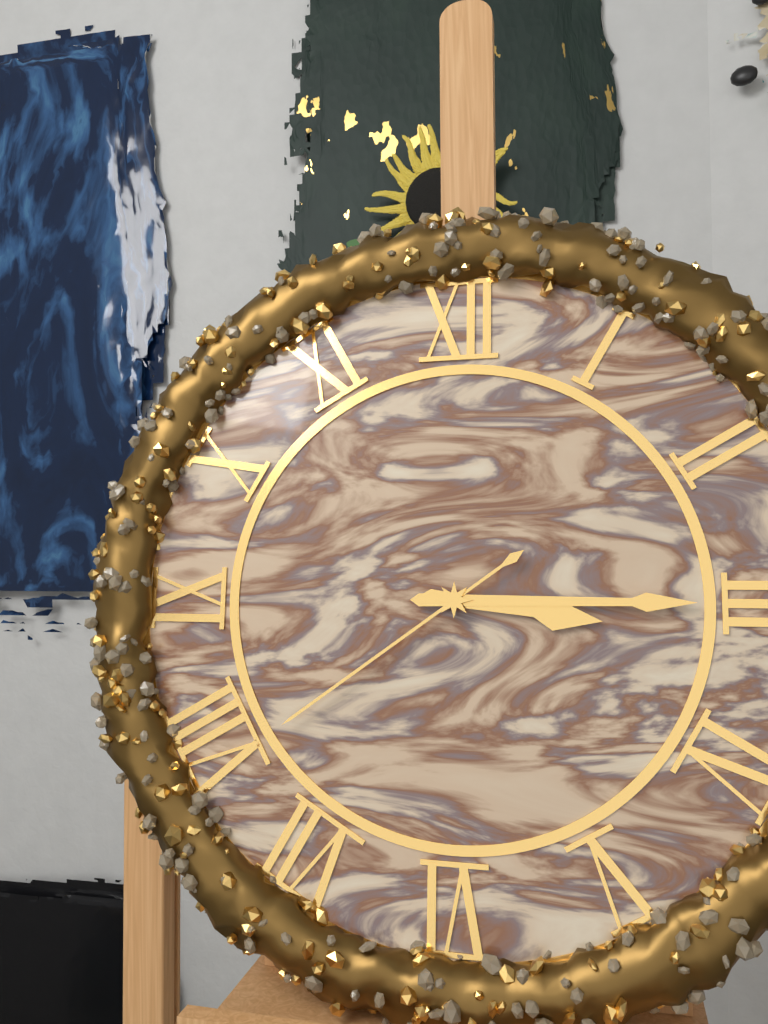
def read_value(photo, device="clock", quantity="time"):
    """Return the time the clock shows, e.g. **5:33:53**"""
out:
**3:15:39**
